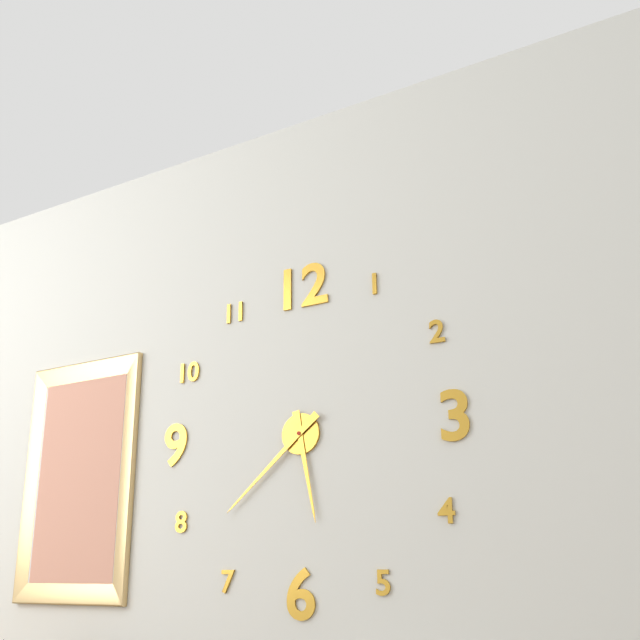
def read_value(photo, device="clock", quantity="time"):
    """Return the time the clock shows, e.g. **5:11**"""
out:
**5:38**
